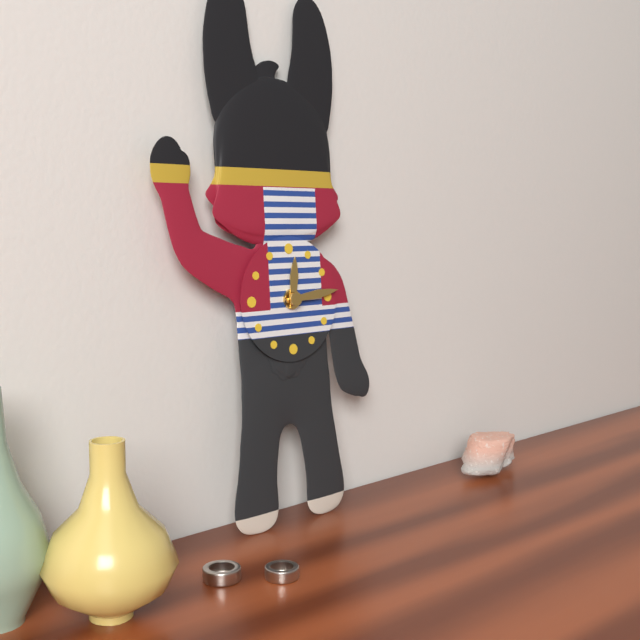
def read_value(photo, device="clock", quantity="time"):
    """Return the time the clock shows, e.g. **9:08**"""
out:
**12:14**
